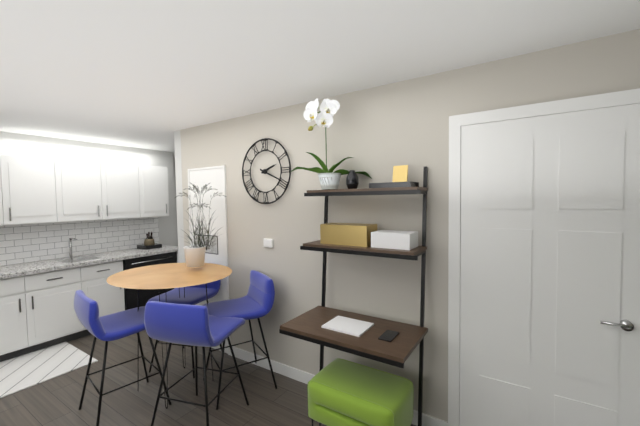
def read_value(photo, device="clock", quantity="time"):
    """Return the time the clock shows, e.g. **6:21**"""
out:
**2:19**
